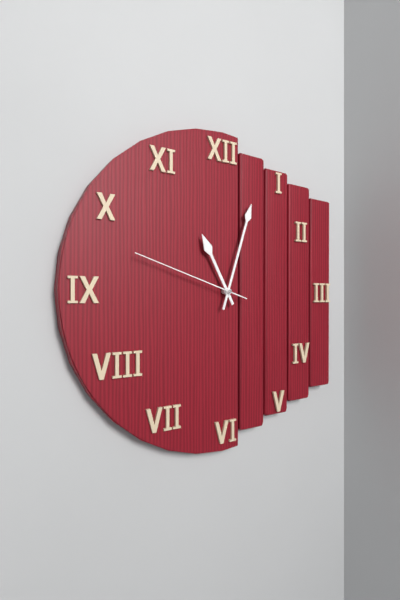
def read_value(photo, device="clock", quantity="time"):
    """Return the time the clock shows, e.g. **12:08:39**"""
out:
**11:03:48**
